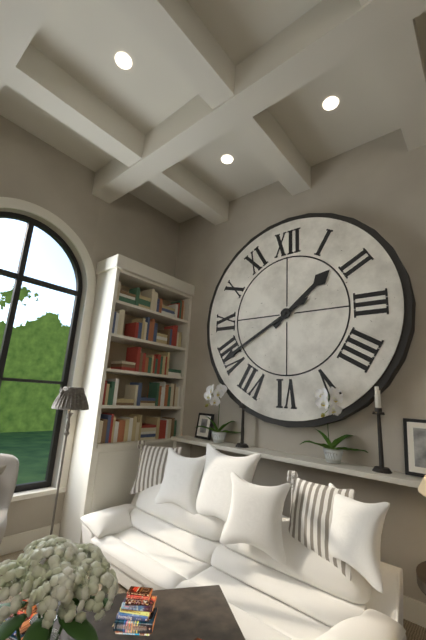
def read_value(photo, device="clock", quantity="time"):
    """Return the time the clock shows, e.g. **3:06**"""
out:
**1:40**
